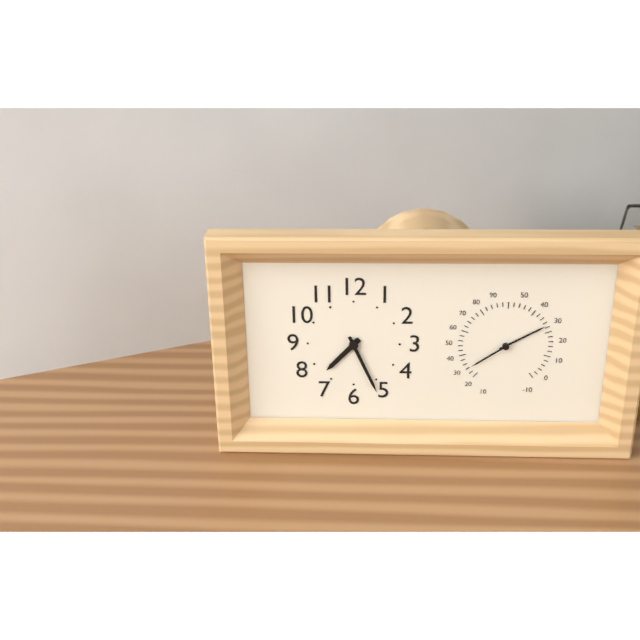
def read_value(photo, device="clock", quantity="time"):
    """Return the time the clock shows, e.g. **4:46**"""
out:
**7:26**
